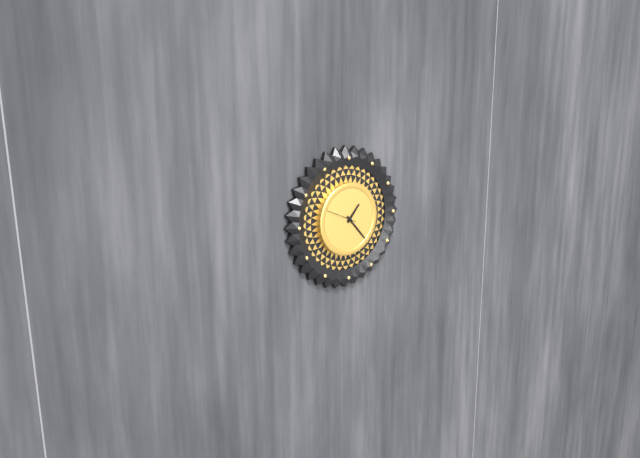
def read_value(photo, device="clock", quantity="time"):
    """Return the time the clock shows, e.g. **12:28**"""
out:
**1:23**
